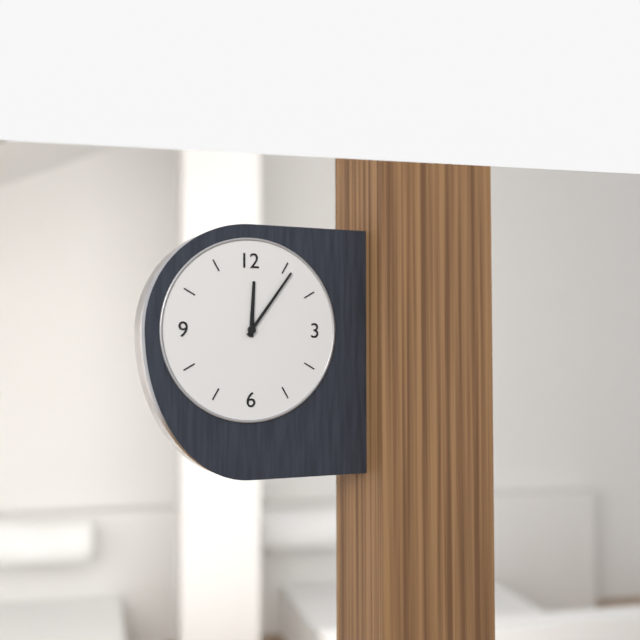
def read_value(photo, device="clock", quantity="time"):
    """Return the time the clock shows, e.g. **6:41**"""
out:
**12:06**
